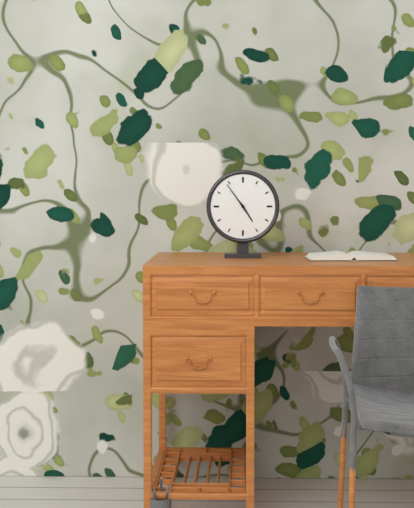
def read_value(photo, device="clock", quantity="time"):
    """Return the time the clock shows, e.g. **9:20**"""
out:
**4:54**
